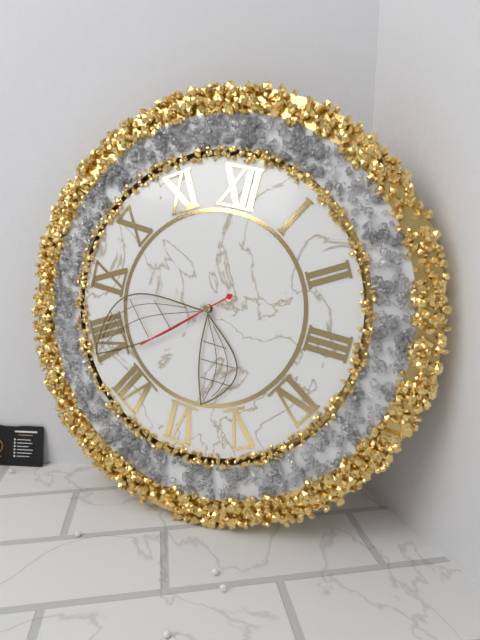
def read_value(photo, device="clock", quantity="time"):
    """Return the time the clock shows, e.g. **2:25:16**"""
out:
**5:39:38**
